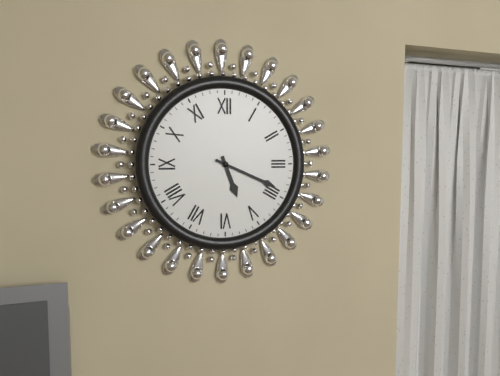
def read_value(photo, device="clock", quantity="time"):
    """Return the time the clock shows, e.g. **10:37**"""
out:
**5:19**
